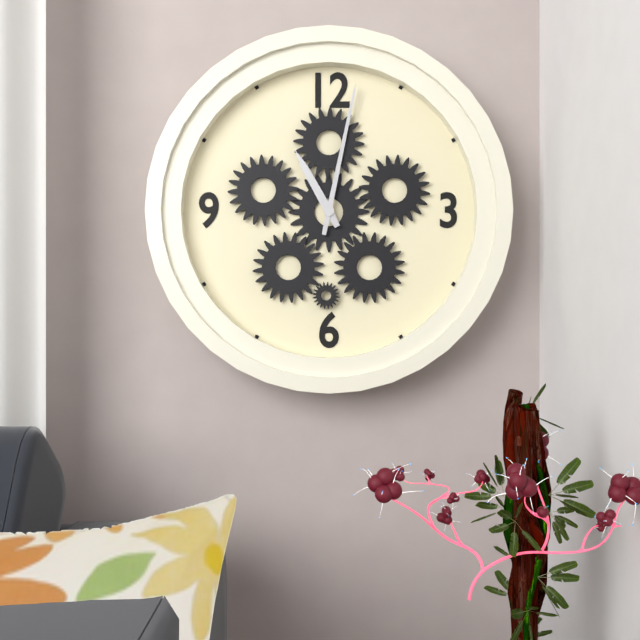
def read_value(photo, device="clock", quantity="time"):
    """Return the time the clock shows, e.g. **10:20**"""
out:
**11:02**
